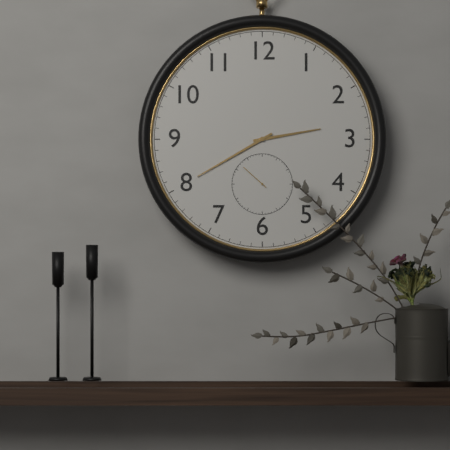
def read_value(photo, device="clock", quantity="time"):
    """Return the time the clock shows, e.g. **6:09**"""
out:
**2:40**
